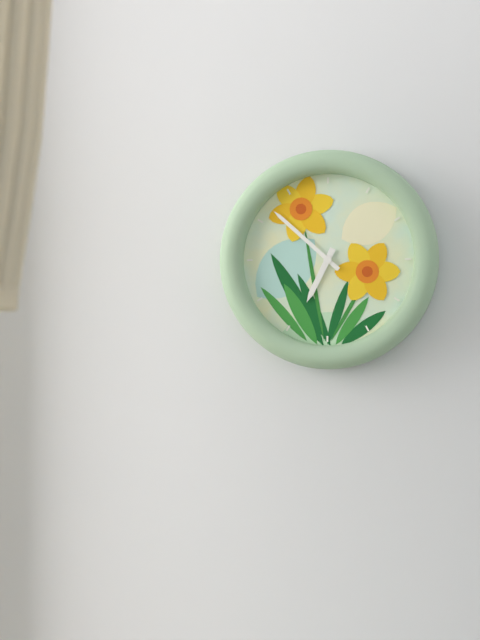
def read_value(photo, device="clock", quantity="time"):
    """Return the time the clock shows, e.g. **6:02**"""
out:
**6:52**
